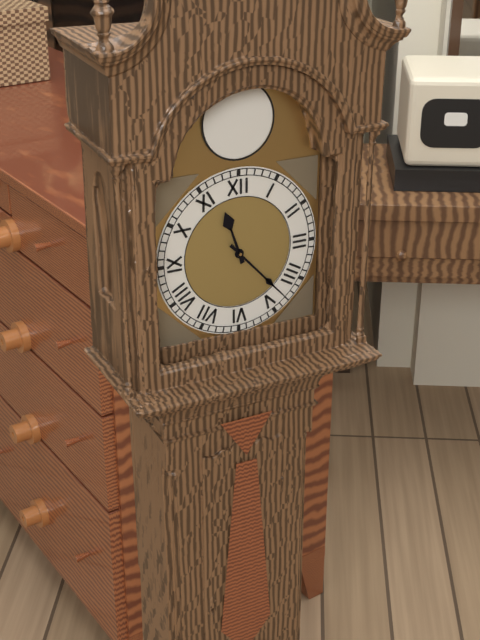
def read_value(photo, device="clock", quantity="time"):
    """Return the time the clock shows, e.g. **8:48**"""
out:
**11:23**
